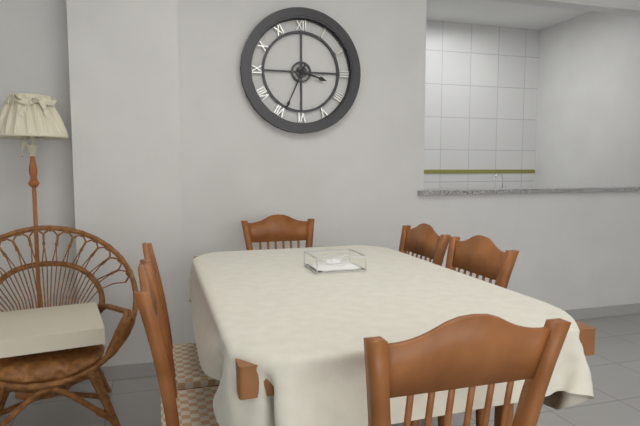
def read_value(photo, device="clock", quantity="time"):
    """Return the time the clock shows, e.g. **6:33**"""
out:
**3:34**
